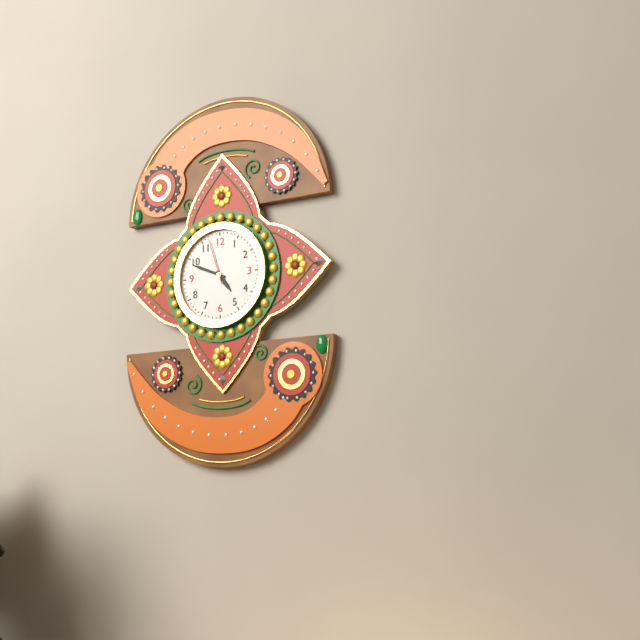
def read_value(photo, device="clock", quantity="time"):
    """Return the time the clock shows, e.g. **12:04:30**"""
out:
**4:49:57**
